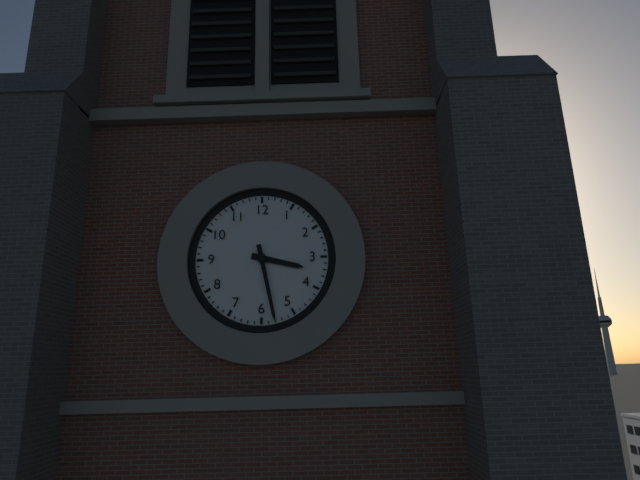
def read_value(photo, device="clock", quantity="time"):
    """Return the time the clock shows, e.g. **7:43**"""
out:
**3:28**
